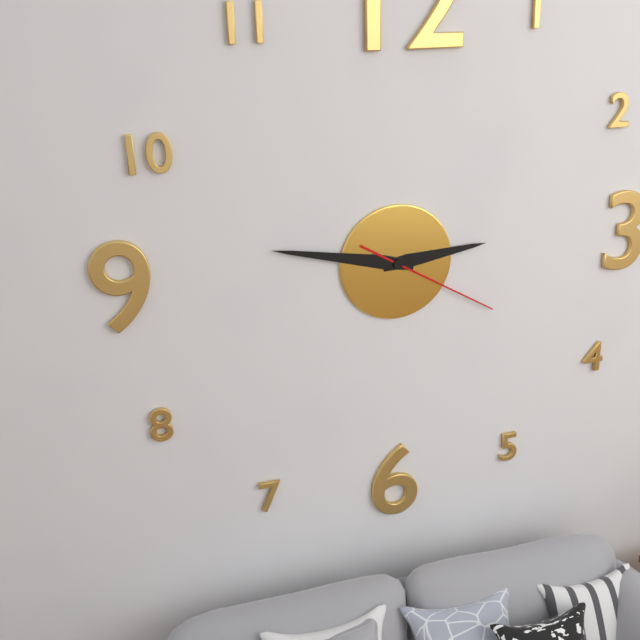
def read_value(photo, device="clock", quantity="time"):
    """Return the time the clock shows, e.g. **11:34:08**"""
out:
**2:47:20**
